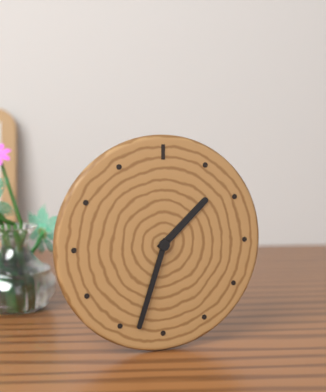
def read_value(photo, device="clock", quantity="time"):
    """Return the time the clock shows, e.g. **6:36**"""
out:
**1:33**
